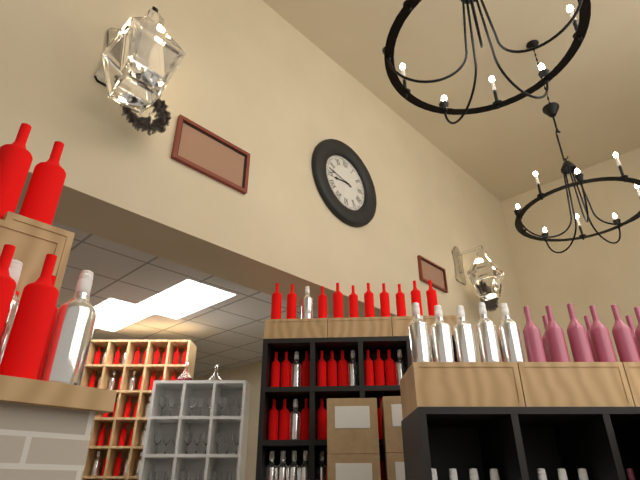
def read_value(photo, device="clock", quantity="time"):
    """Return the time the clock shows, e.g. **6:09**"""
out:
**8:47**
